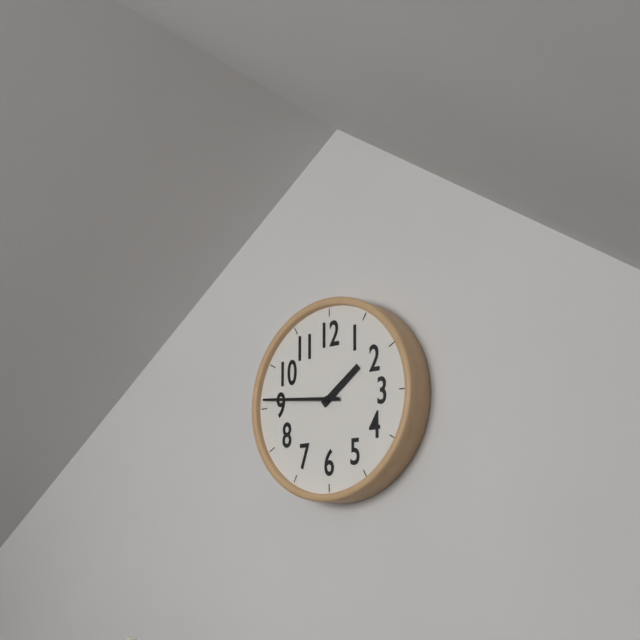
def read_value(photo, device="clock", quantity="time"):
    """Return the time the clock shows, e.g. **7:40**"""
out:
**1:46**
